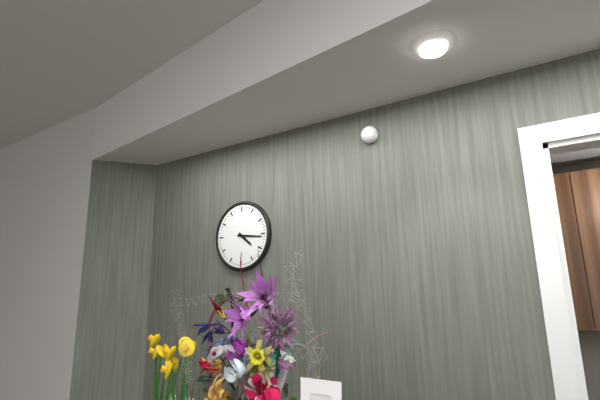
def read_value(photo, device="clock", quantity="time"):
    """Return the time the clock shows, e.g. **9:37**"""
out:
**4:16**
